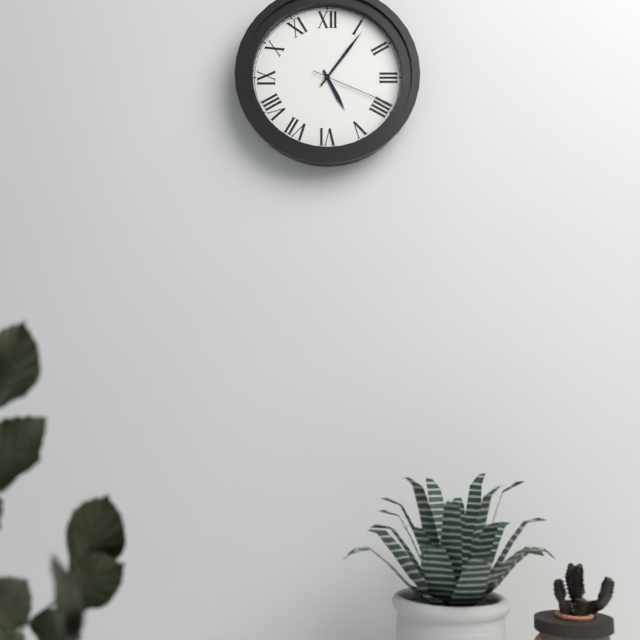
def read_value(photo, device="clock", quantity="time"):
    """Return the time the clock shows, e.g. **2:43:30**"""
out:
**5:06:19**
